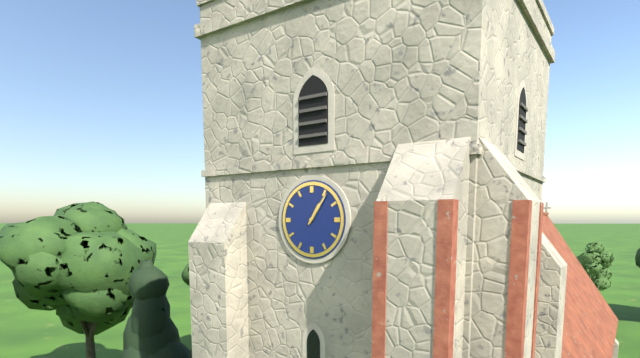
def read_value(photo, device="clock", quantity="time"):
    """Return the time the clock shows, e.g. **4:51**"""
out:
**1:06**
